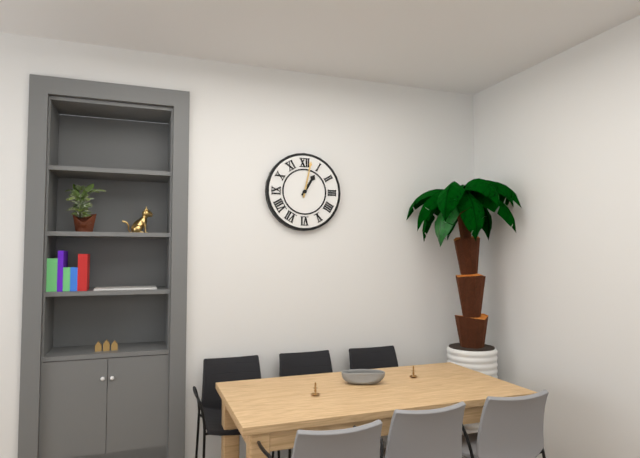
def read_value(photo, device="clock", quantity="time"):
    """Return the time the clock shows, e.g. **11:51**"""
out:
**1:02**
